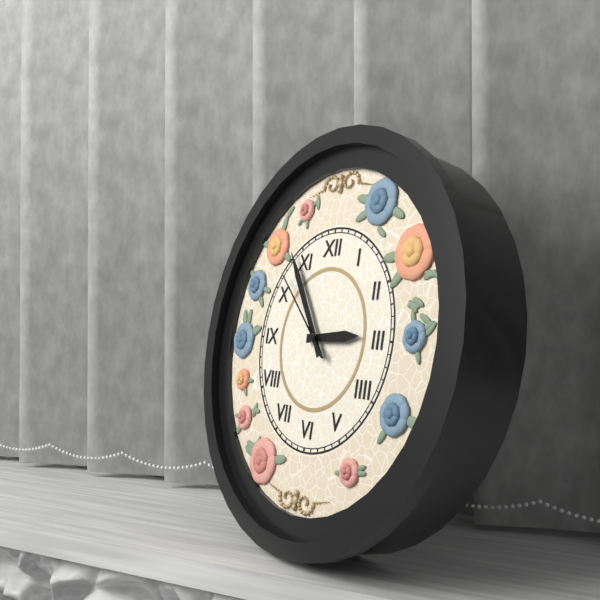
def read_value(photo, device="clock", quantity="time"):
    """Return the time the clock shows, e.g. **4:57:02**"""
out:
**2:54:52**
